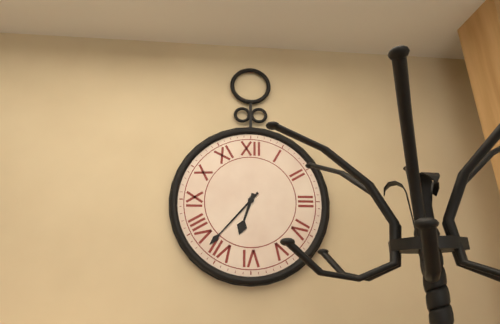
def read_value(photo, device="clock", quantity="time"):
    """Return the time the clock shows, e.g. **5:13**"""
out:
**6:37**
